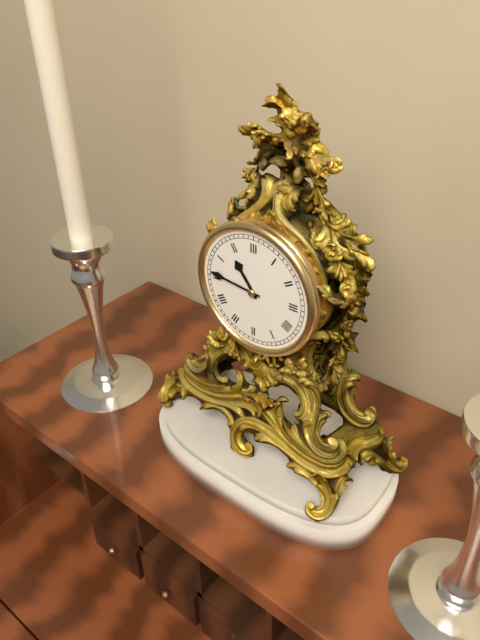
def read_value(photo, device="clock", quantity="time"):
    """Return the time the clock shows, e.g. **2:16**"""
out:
**10:46**
